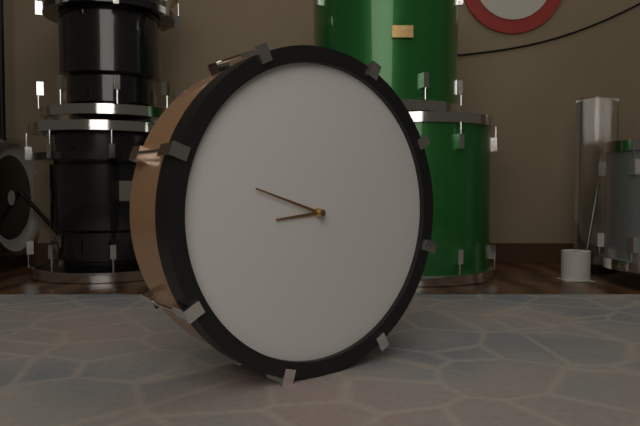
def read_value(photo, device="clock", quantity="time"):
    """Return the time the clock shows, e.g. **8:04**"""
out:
**8:48**
